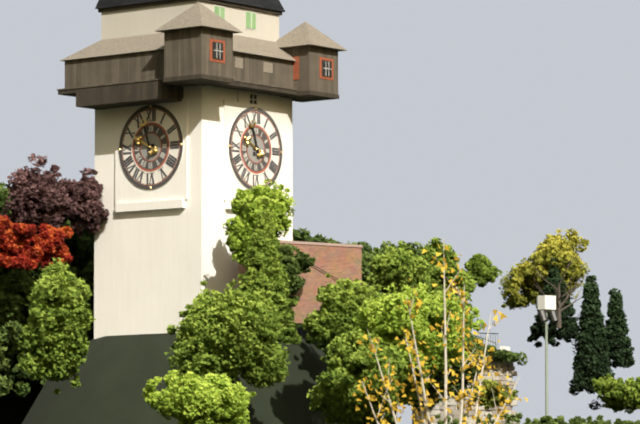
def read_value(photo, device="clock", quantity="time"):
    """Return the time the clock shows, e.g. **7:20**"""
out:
**9:57**
